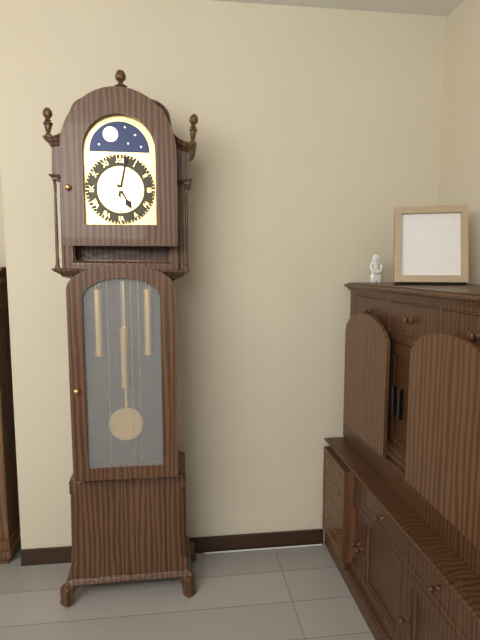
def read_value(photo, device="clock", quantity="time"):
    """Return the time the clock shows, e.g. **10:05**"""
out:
**5:02**
